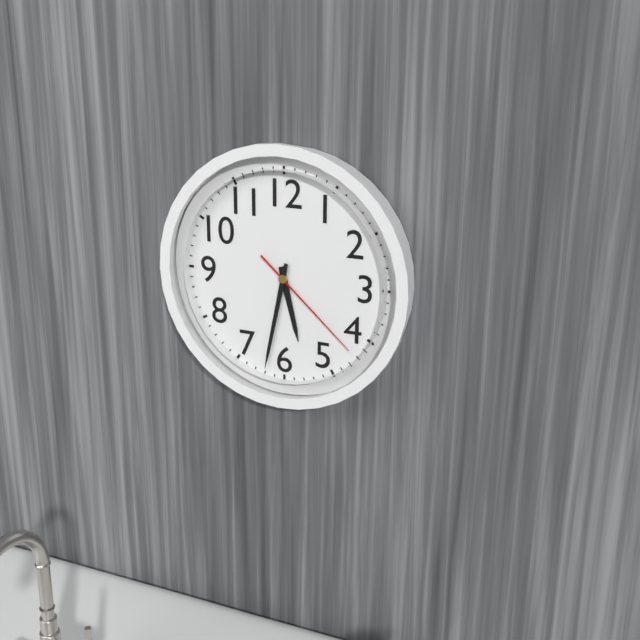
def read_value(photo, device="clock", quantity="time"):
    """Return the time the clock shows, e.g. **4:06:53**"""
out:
**5:32:22**
